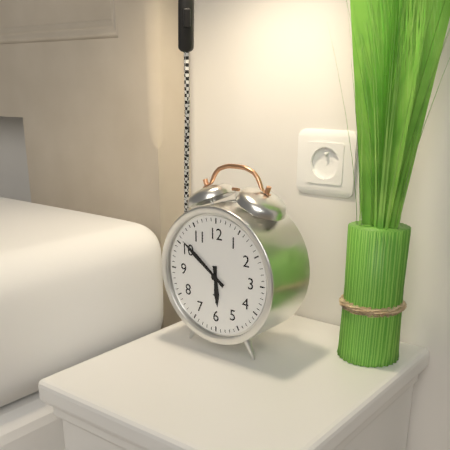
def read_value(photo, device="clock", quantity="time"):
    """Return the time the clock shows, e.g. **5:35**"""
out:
**5:51**
